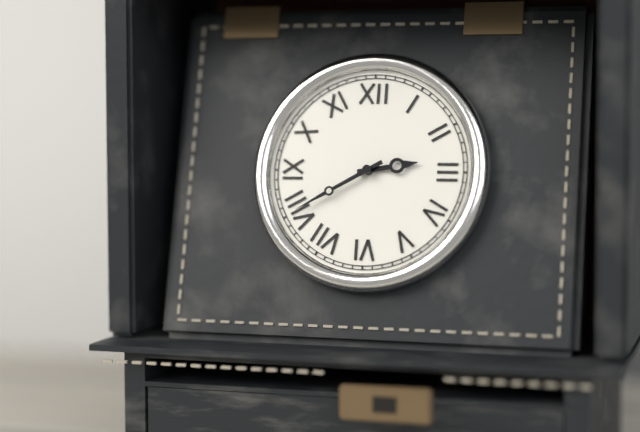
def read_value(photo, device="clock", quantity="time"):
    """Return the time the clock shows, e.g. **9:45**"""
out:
**2:40**
